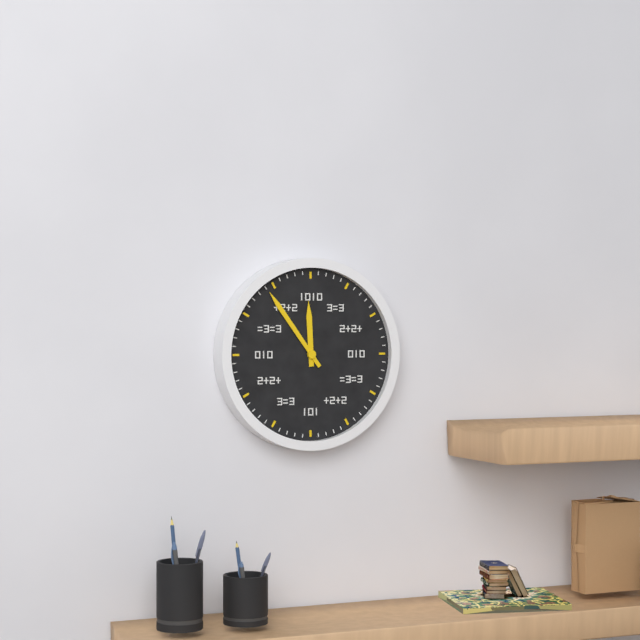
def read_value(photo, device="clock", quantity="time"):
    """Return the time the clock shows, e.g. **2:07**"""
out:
**11:54**
